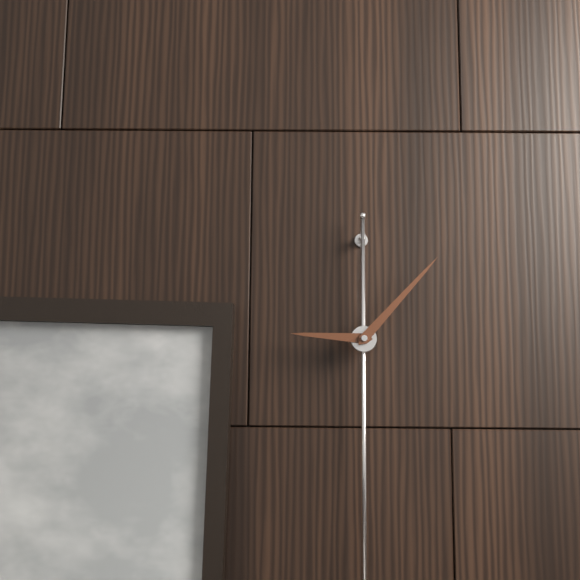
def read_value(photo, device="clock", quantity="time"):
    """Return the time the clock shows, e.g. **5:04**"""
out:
**9:07**
